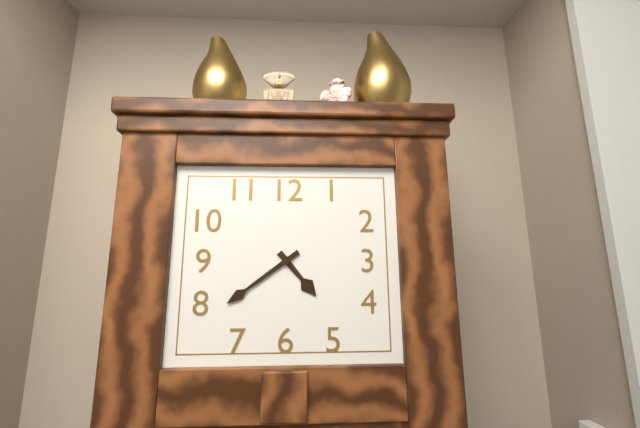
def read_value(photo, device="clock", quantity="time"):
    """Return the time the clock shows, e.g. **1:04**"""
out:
**4:39**
